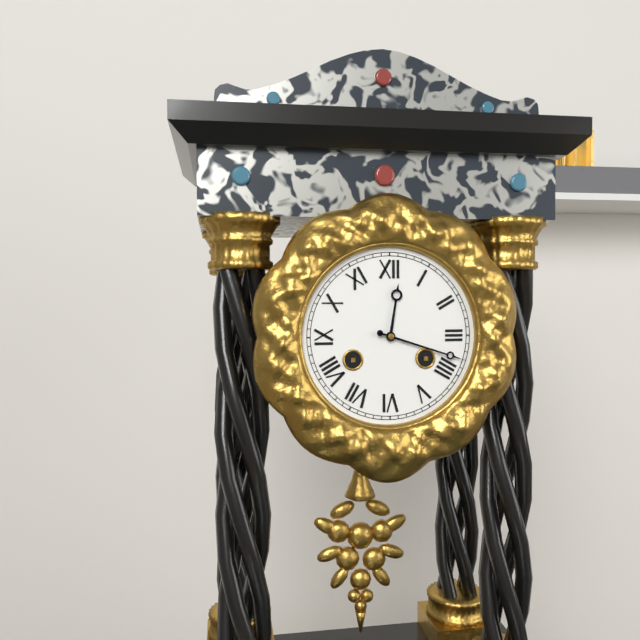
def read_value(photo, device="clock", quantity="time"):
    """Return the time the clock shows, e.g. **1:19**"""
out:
**12:18**
